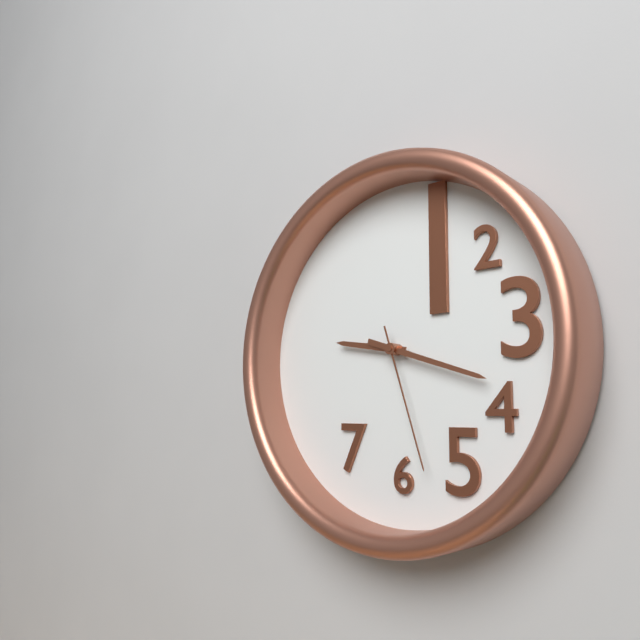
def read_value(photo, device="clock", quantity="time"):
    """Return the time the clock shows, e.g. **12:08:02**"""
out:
**9:18:27**
